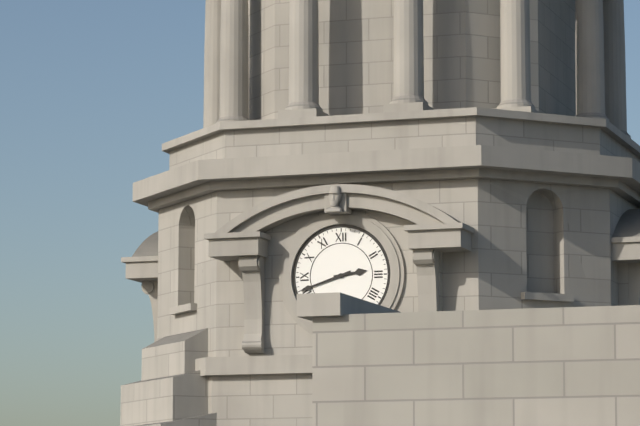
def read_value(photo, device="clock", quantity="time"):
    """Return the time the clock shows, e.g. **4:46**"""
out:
**2:42**
